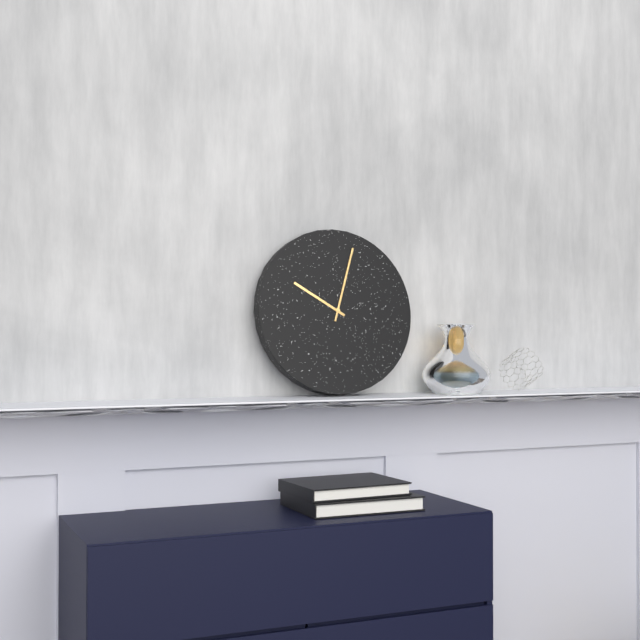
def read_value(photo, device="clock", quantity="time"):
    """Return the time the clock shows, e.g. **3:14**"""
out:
**10:03**
